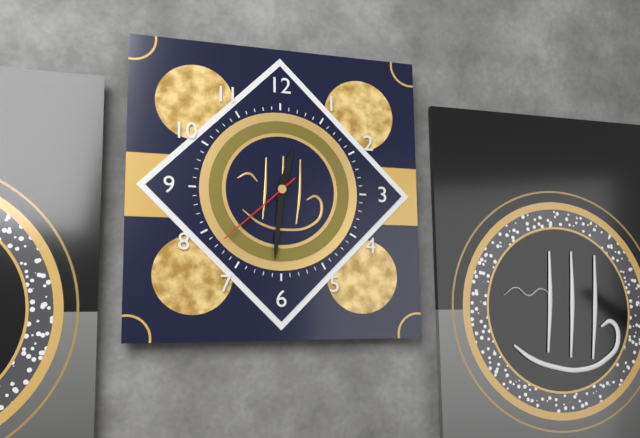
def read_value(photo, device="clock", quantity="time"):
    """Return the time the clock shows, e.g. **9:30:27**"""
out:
**12:31:38**
